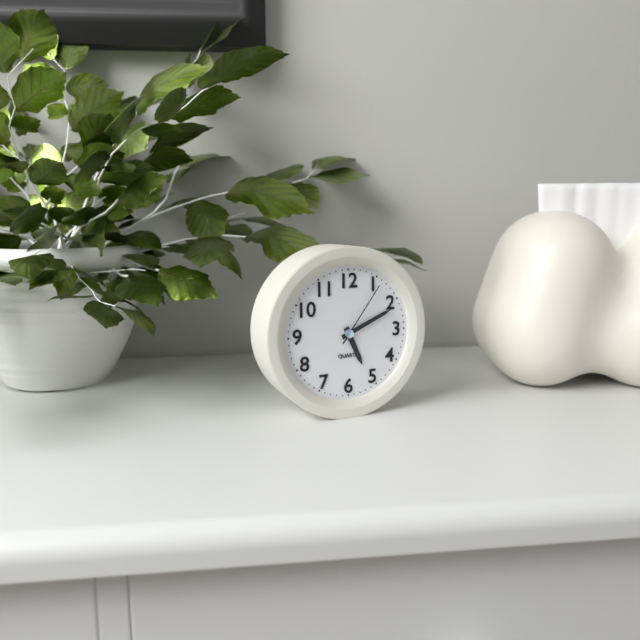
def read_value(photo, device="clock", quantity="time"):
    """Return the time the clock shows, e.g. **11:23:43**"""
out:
**5:11:06**
